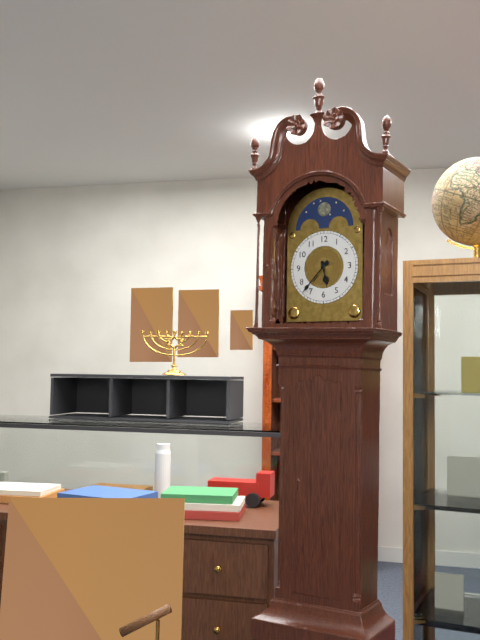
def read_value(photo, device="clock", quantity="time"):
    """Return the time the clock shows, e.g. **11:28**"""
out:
**5:37**
